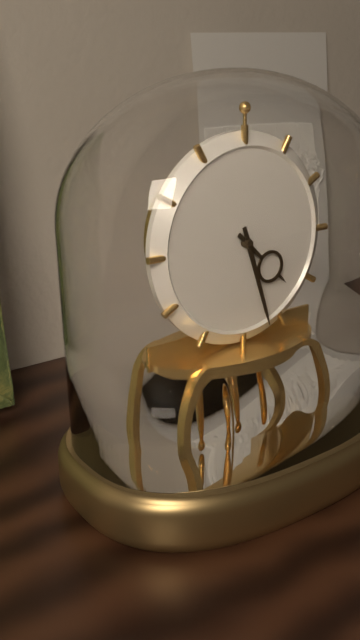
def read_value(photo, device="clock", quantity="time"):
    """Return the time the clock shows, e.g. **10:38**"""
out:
**4:27**
